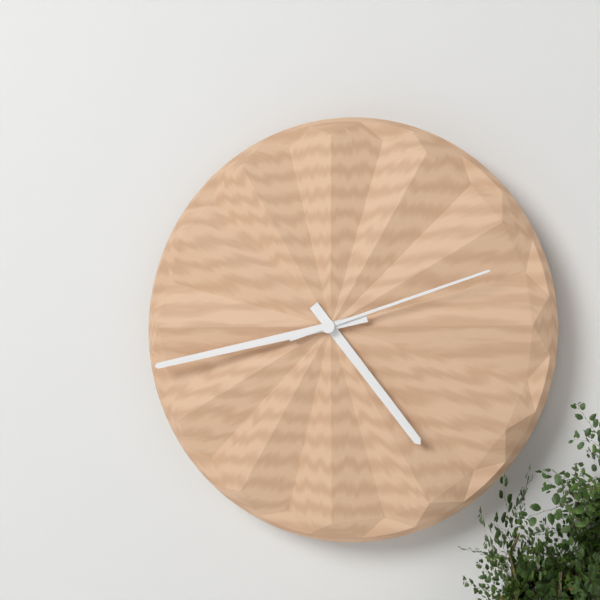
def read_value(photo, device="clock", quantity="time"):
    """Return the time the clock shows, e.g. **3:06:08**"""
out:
**4:43:12**
